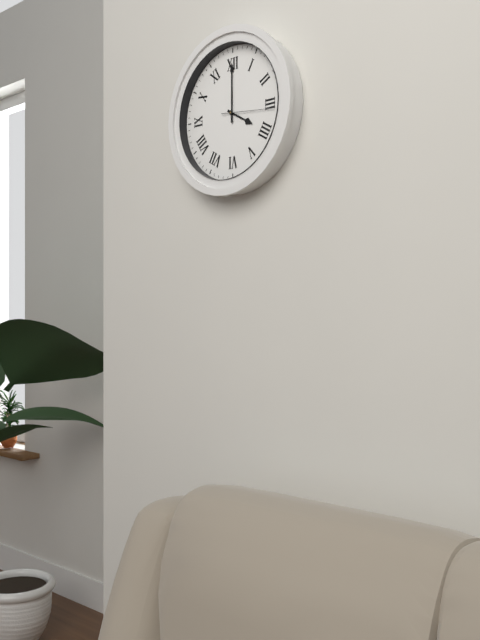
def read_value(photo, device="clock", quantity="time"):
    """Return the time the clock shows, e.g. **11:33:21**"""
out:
**4:00:16**
